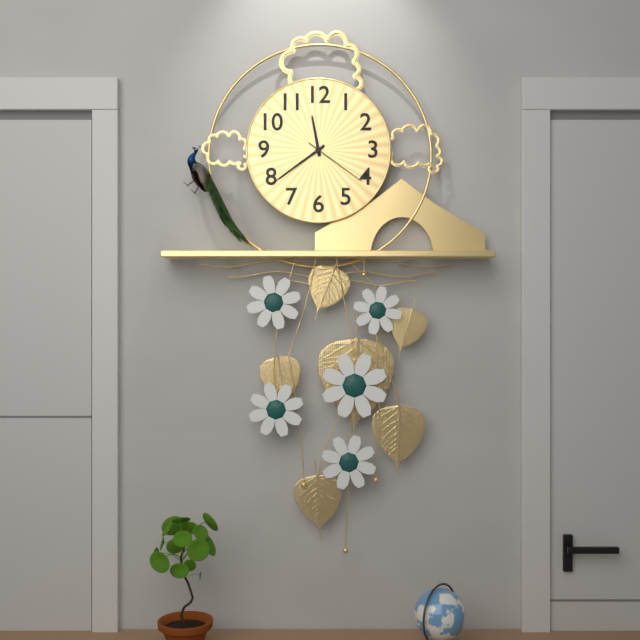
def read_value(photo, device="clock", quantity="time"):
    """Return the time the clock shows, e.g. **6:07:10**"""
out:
**11:39:21**
